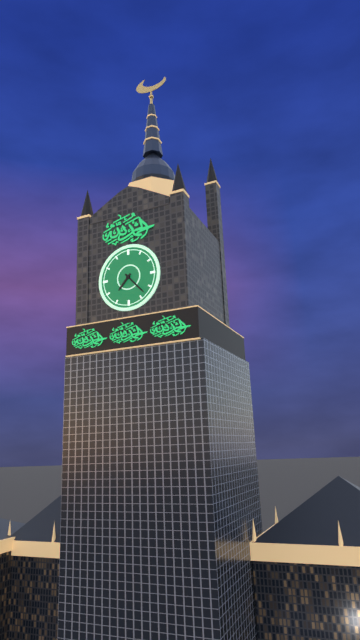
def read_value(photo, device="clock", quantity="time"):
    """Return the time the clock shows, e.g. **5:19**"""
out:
**7:23**
